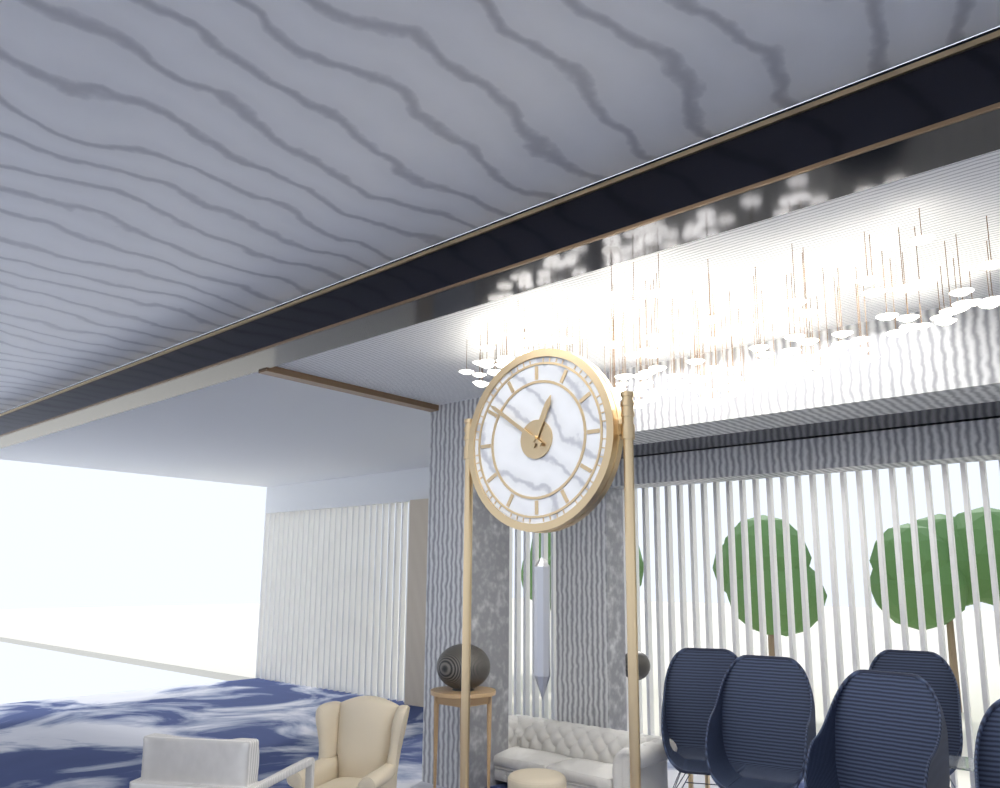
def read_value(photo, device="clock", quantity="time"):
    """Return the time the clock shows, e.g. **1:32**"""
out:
**12:51**
